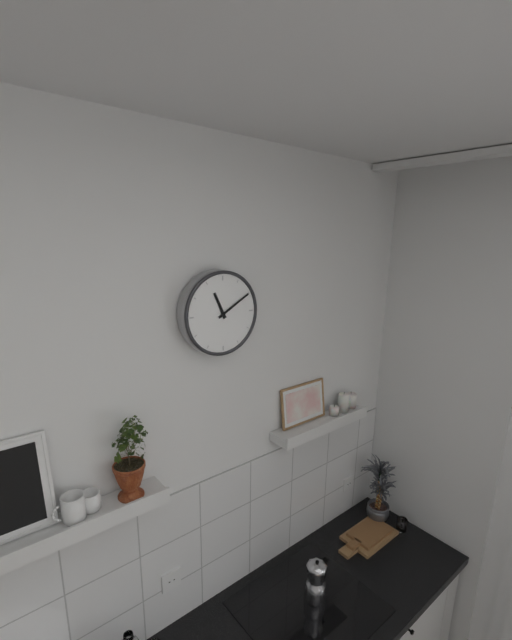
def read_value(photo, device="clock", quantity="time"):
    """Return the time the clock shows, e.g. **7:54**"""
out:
**11:10**
